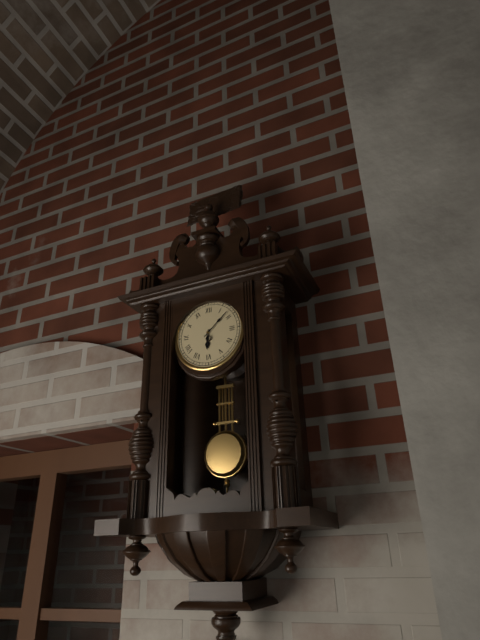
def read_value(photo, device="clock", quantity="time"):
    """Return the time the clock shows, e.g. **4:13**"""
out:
**6:08**
